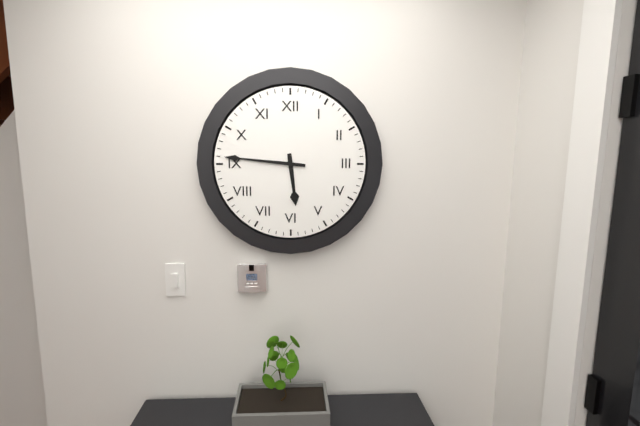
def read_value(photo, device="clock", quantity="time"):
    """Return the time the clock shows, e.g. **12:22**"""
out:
**5:46**
